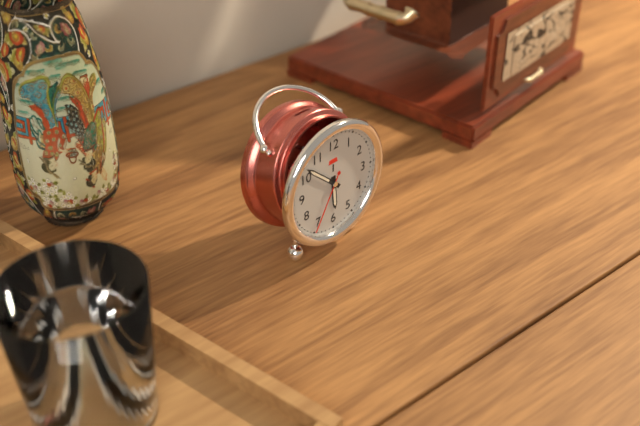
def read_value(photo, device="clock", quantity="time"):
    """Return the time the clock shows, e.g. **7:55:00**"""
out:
**5:52:35**
